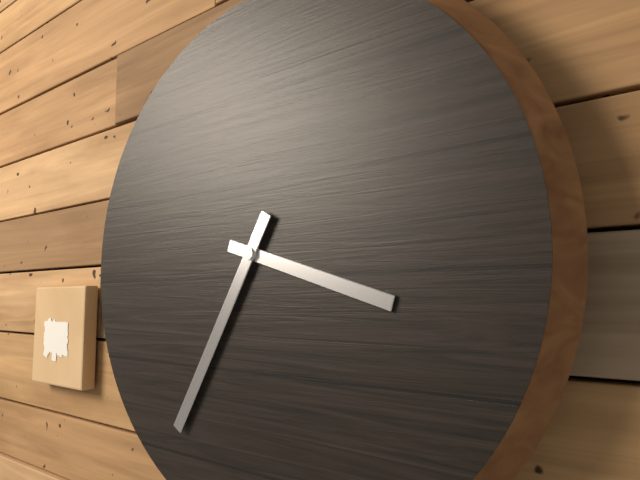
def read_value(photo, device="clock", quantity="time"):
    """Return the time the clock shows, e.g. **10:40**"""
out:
**3:35**
